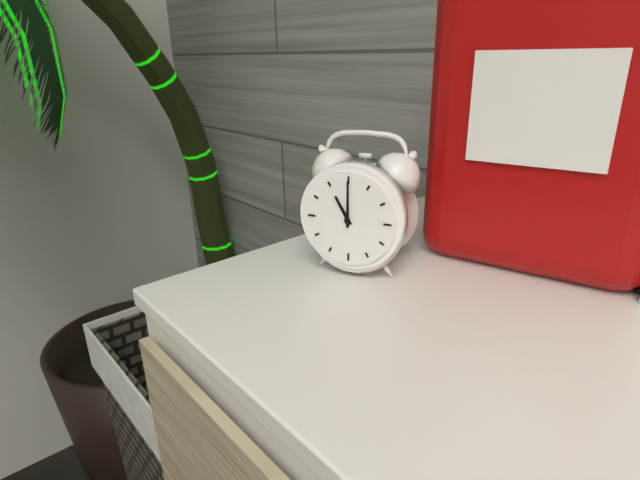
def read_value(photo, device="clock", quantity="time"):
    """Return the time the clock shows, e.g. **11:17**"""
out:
**11:00**
